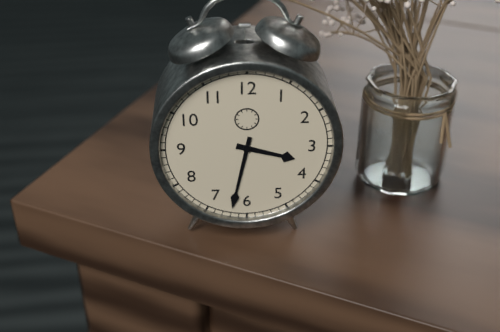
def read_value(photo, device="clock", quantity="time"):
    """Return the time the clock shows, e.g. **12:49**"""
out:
**3:32**
